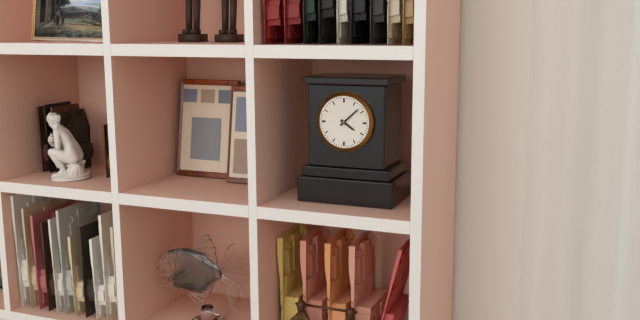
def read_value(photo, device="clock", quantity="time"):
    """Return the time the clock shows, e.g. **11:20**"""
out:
**4:08**
